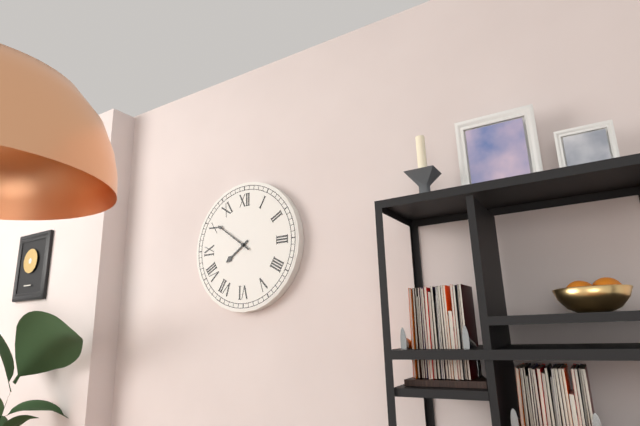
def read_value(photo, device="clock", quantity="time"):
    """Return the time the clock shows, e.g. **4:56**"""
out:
**7:51**
